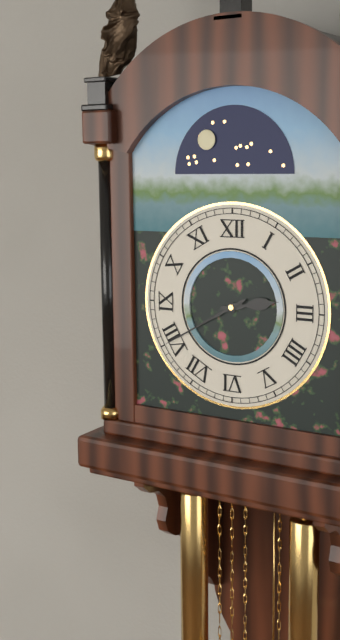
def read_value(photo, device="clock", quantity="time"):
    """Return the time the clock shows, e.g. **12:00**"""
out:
**2:40**
